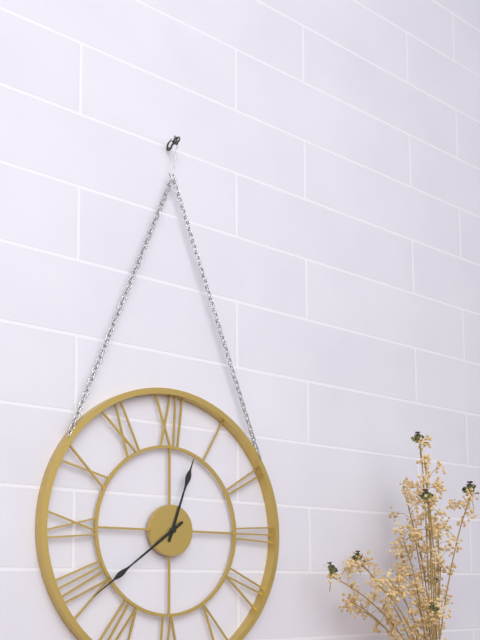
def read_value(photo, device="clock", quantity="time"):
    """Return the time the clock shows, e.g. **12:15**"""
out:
**12:39**
